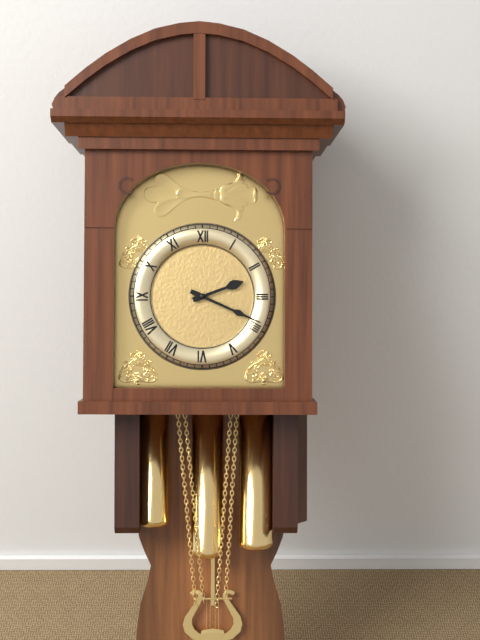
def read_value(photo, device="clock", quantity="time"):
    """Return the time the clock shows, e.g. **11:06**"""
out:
**2:19**
